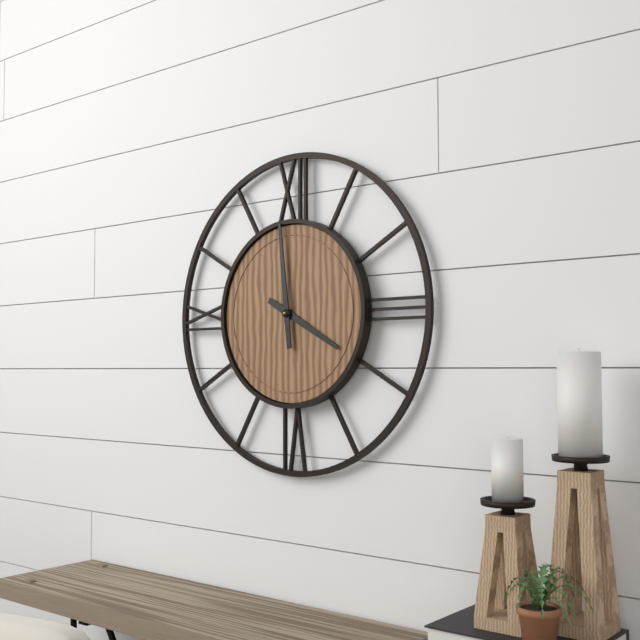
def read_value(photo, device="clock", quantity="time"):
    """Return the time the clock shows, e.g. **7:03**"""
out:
**3:59**
